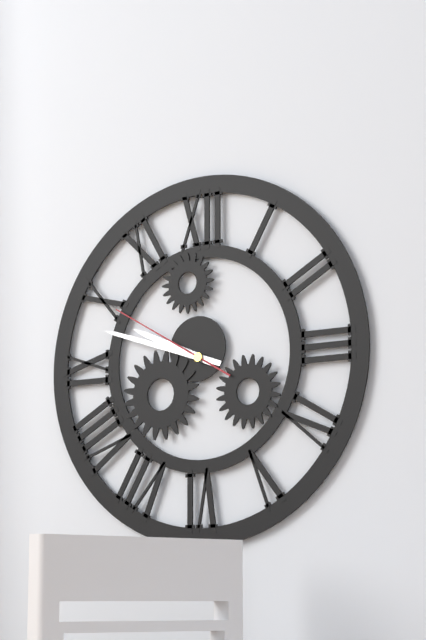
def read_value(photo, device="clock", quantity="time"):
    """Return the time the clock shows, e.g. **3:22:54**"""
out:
**9:48:50**
